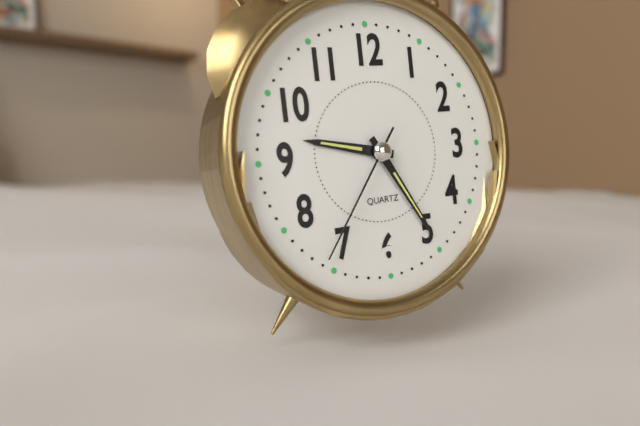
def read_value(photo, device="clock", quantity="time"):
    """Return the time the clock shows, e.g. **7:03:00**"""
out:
**9:25:36**
